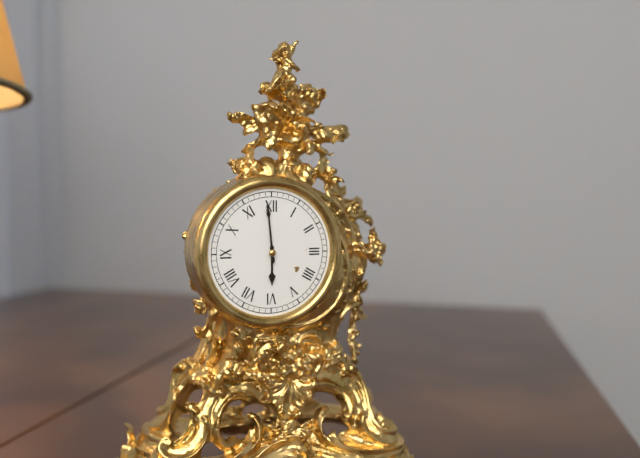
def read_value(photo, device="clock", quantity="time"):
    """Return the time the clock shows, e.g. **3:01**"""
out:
**5:59**
